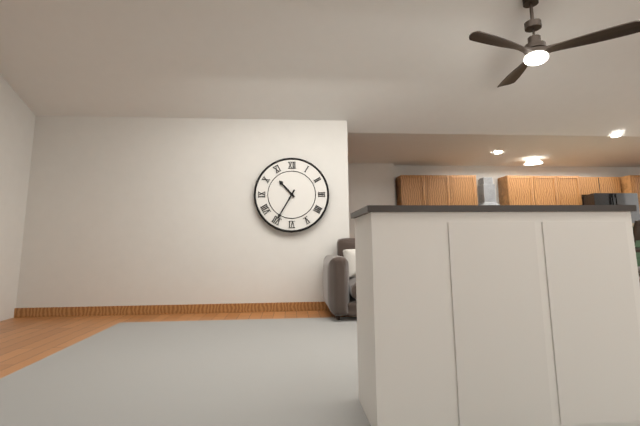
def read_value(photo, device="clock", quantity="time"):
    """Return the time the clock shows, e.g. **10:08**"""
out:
**10:35**
